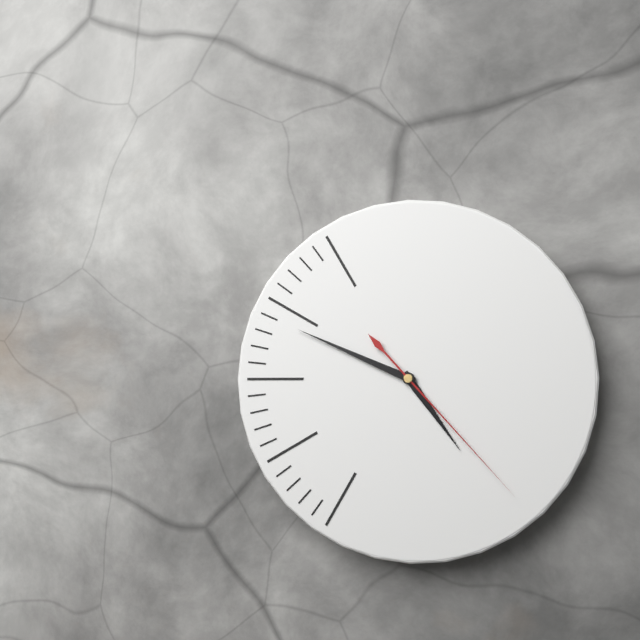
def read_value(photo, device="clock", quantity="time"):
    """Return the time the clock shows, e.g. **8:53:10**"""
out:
**4:49:23**
